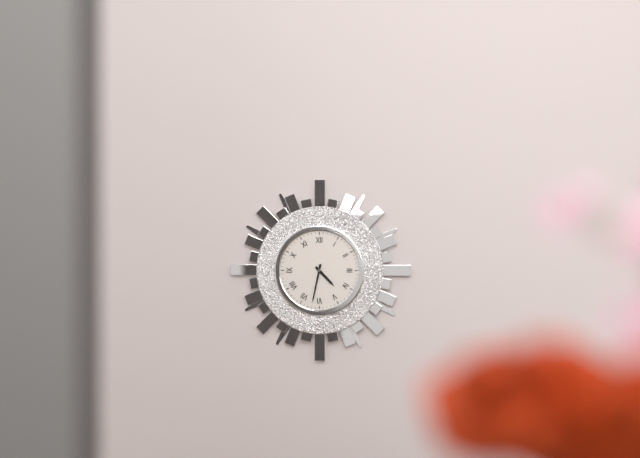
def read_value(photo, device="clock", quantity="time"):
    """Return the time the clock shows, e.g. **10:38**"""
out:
**4:32**
